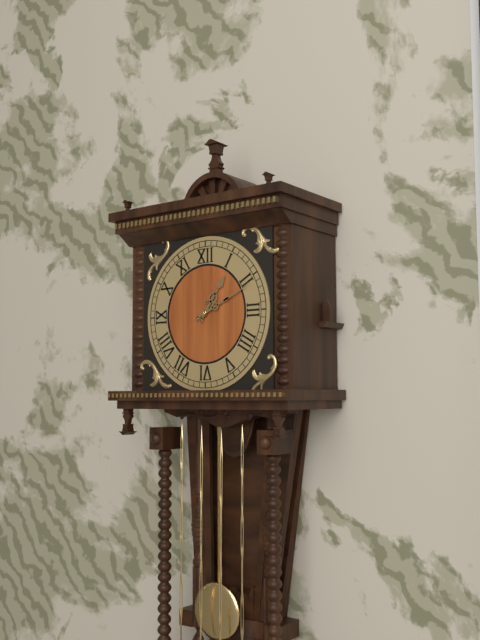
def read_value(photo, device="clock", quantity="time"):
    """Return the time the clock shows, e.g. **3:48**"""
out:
**1:11**
